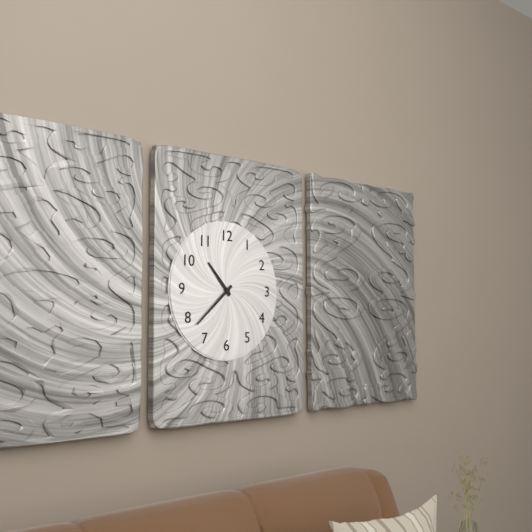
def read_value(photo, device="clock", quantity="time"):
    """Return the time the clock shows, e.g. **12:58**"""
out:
**10:38**
